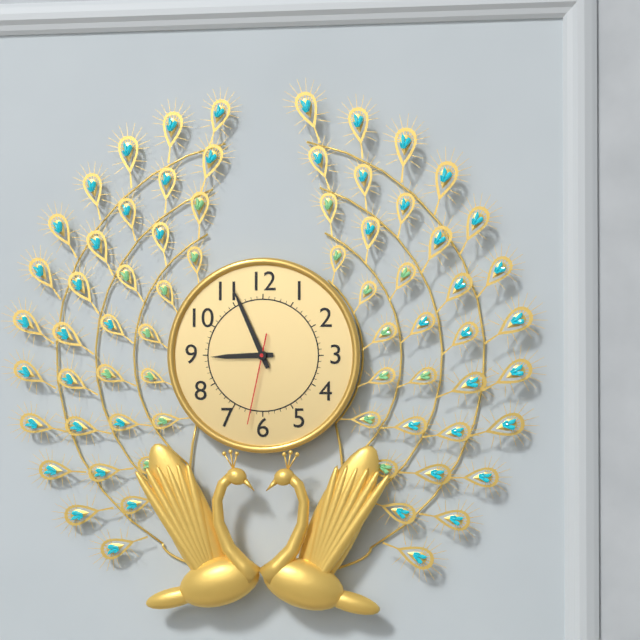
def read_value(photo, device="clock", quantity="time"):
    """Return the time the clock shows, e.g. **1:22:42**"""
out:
**8:56:32**
